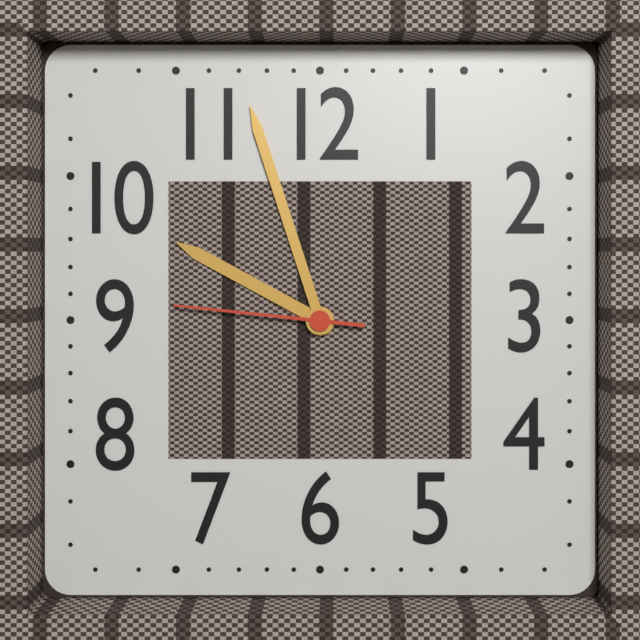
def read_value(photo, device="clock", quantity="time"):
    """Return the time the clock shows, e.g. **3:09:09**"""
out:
**9:57:46**
